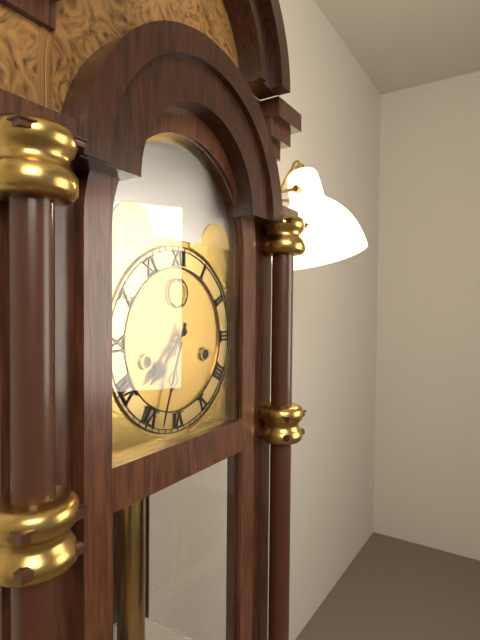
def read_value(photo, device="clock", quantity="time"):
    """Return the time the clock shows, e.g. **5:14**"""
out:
**7:33**
